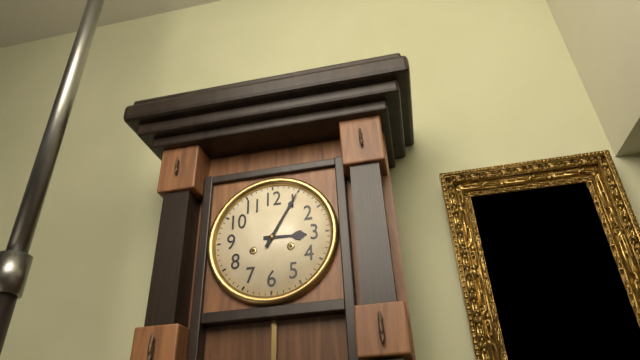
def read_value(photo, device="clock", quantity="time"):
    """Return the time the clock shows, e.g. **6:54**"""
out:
**3:05**
